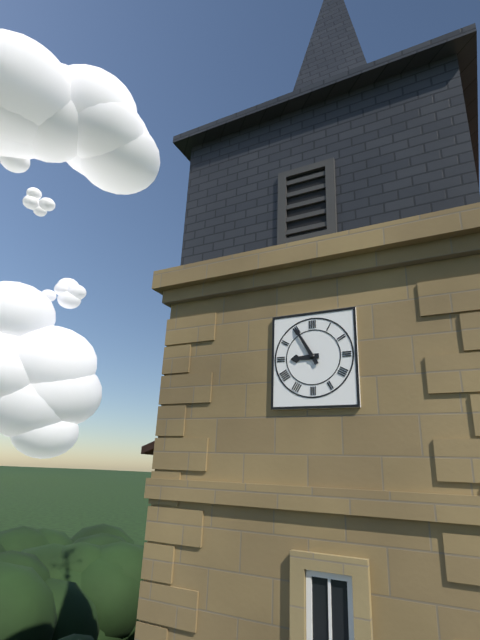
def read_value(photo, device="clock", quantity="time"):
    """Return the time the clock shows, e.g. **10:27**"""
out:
**8:55**
